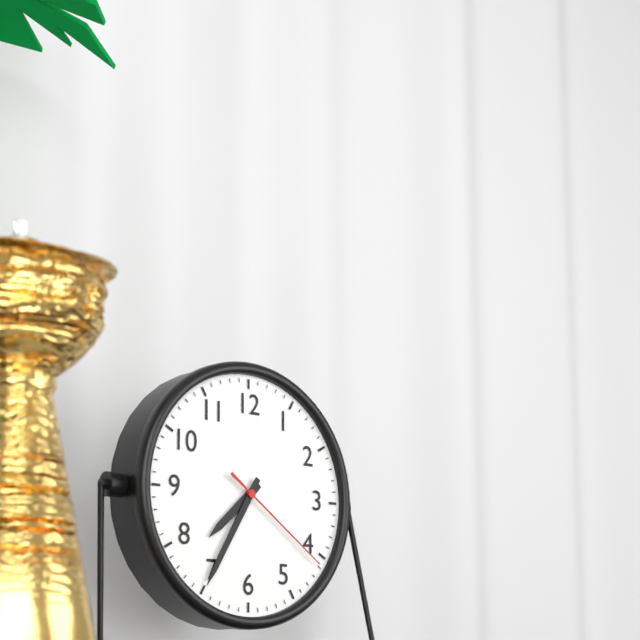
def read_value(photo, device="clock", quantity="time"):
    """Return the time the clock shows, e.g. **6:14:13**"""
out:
**7:35:21**
